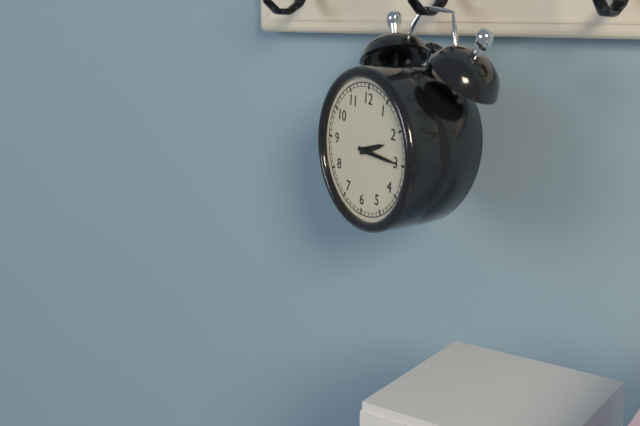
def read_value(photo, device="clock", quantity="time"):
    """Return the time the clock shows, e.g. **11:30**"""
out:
**2:15**
